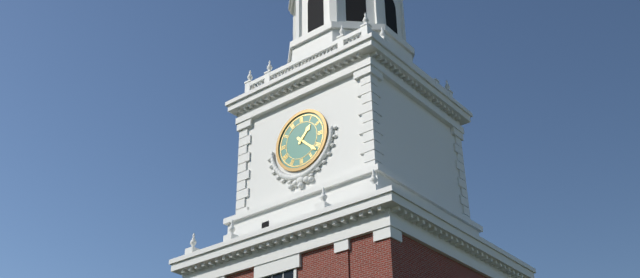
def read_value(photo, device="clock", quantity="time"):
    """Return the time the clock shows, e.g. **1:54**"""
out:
**1:22**
